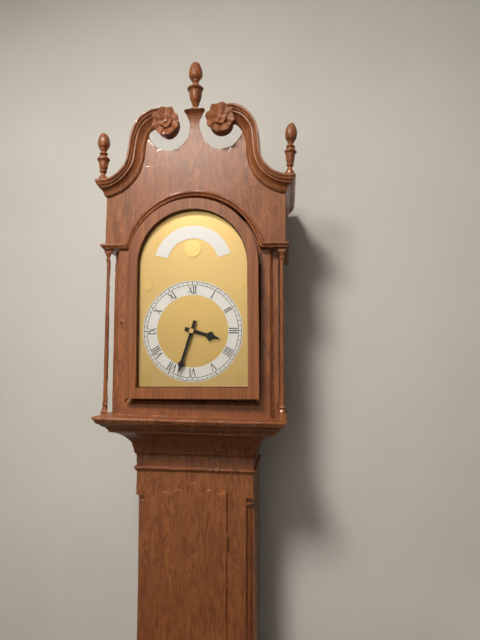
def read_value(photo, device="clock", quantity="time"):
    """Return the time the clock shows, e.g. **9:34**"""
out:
**3:33**
